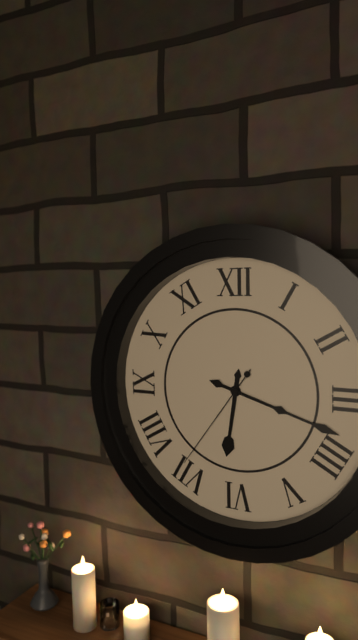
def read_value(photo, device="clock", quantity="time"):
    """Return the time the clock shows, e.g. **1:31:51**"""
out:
**6:18:36**
